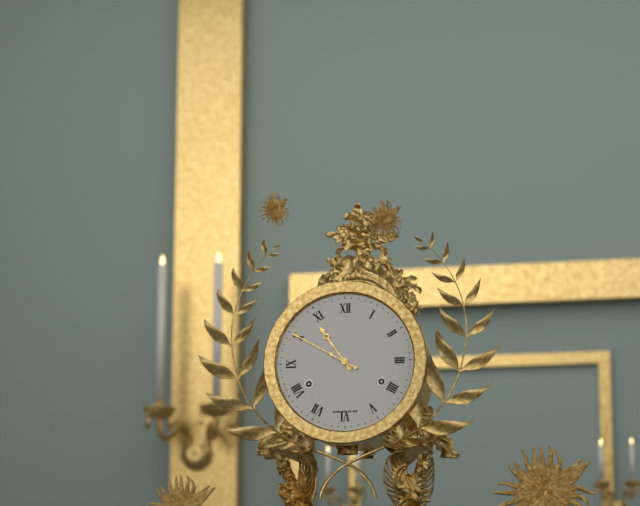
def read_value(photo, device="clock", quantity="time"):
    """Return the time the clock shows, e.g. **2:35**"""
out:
**10:50**
